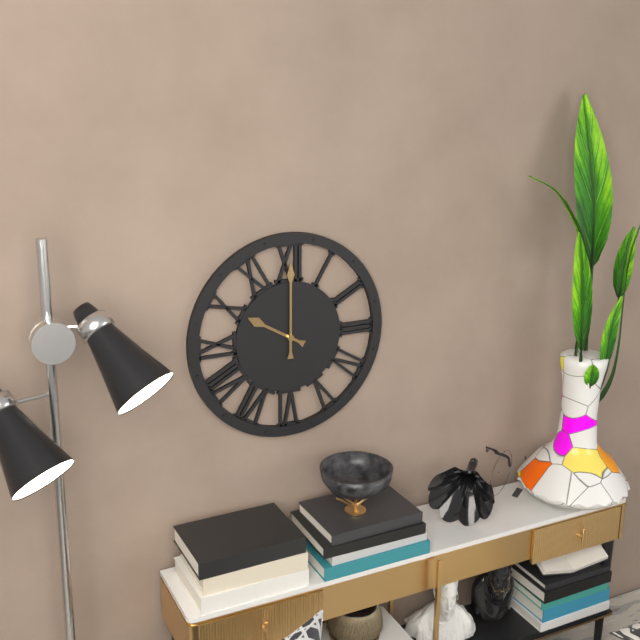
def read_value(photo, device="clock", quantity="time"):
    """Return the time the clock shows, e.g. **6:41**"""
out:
**10:00**
